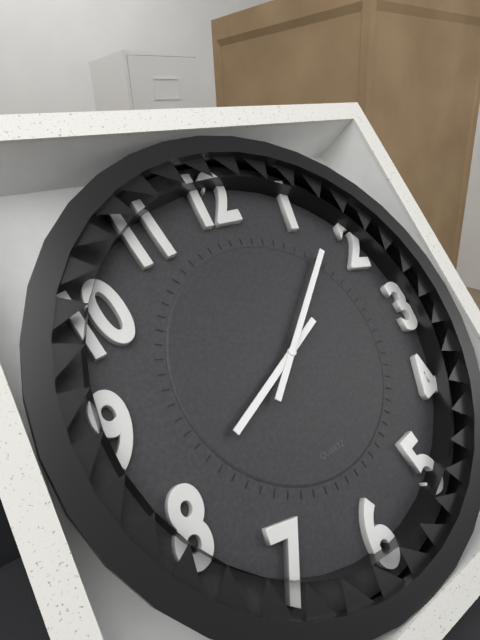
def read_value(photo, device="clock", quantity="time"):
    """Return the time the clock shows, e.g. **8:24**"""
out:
**8:08**
